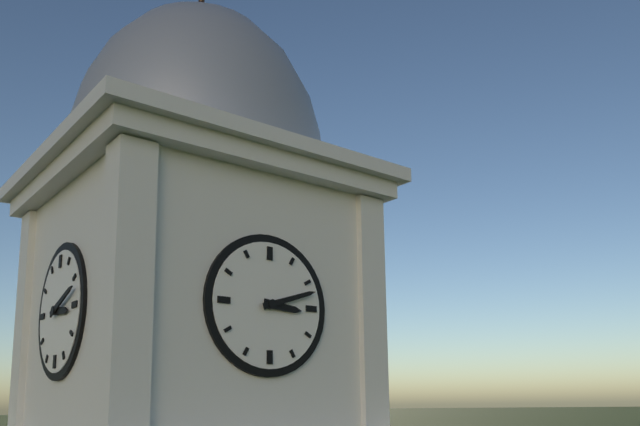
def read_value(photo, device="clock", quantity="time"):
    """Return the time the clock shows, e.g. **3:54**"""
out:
**3:12**
